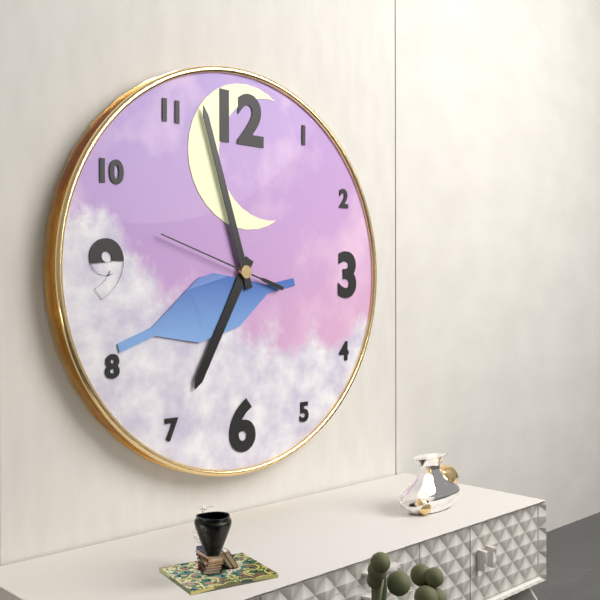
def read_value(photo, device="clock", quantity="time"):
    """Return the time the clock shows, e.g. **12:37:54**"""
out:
**6:57:48**
